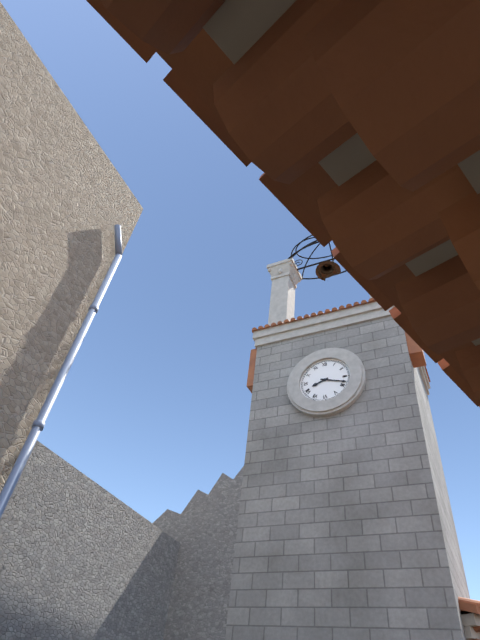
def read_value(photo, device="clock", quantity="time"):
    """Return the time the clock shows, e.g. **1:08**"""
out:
**8:18**
